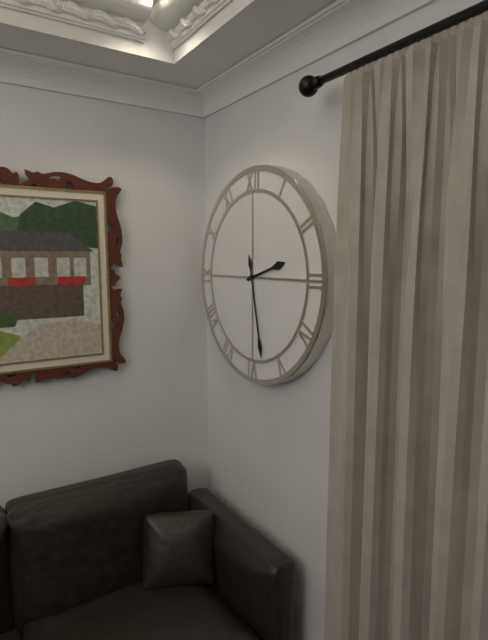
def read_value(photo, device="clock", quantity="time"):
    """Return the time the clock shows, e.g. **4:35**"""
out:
**2:28**
